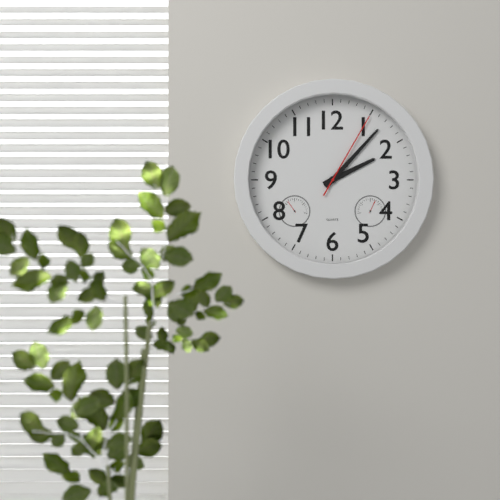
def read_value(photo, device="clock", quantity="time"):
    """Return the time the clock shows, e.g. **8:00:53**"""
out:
**2:07:05**
